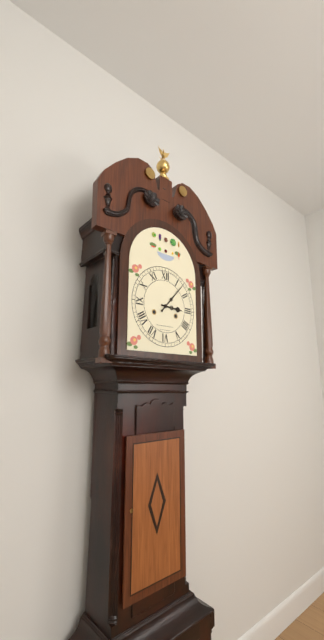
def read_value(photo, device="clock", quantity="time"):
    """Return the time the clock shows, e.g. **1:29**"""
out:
**3:07**
